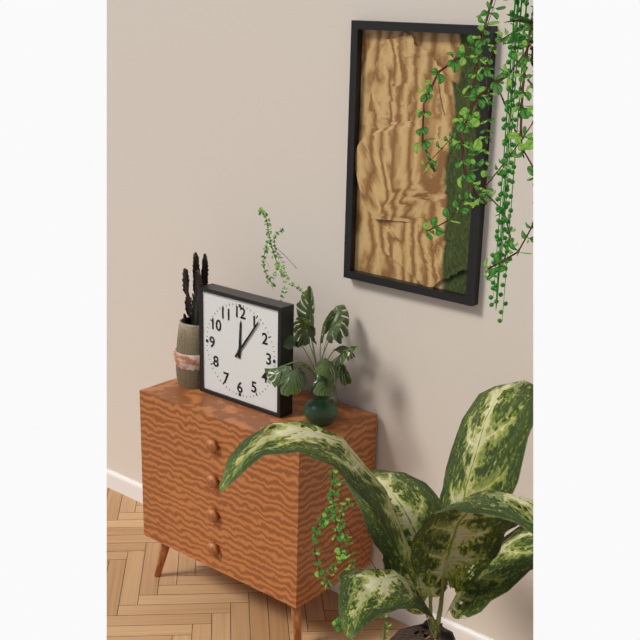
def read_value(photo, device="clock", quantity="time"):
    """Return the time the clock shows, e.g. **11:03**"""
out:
**12:06**
